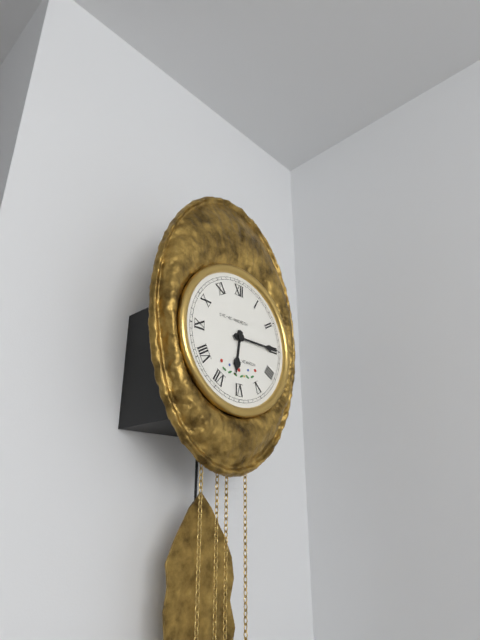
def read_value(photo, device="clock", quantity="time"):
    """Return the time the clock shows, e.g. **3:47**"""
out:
**6:15**
